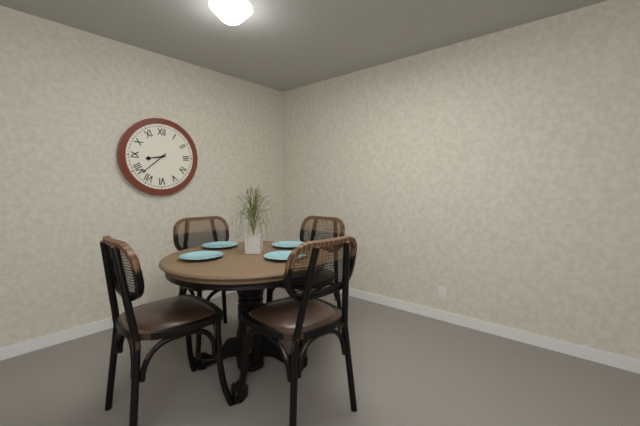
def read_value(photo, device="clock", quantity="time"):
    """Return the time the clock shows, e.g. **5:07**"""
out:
**8:38**
